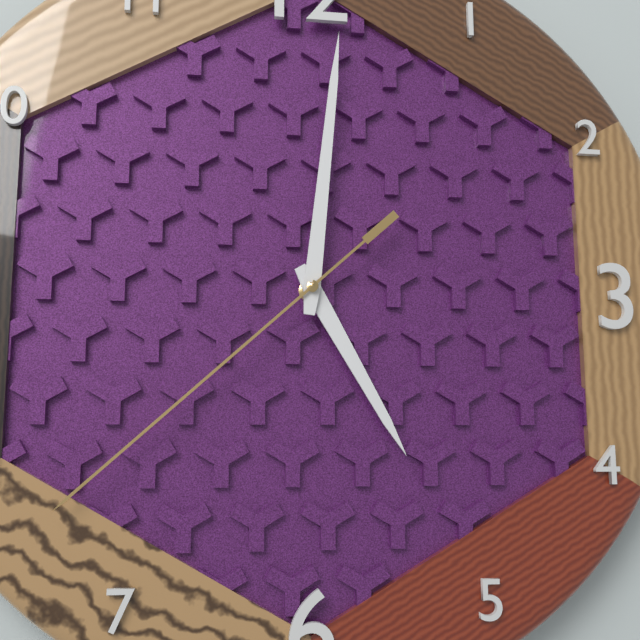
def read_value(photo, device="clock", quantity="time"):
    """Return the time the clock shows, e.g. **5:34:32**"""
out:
**5:01:38**
